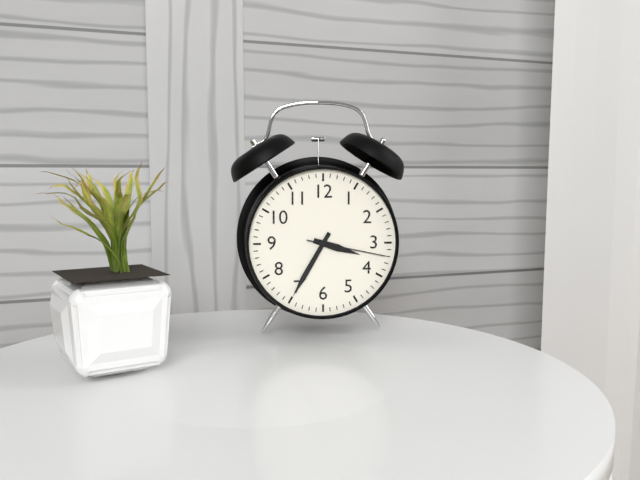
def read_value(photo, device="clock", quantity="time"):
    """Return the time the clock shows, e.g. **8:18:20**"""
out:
**3:35:17**
